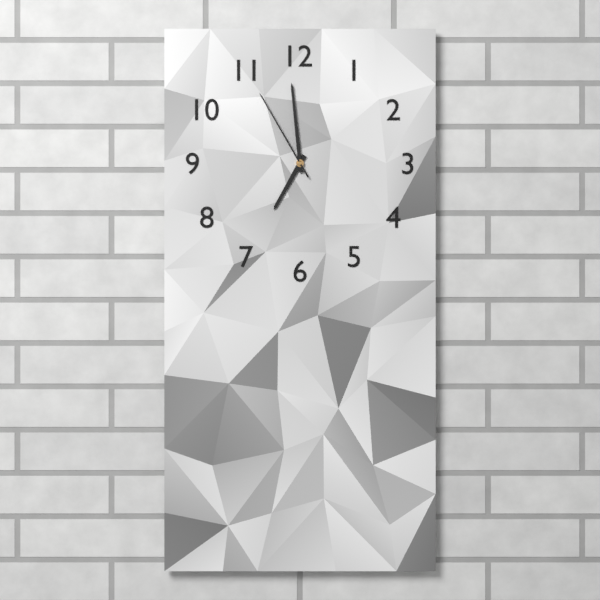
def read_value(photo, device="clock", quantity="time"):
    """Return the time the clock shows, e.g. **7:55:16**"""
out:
**6:59:55**
